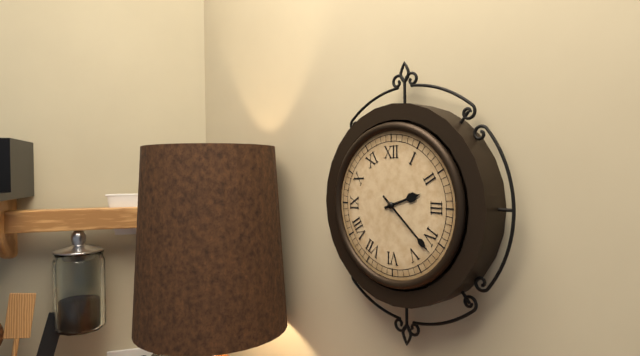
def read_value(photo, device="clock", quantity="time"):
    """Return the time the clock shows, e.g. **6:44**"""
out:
**2:22**
